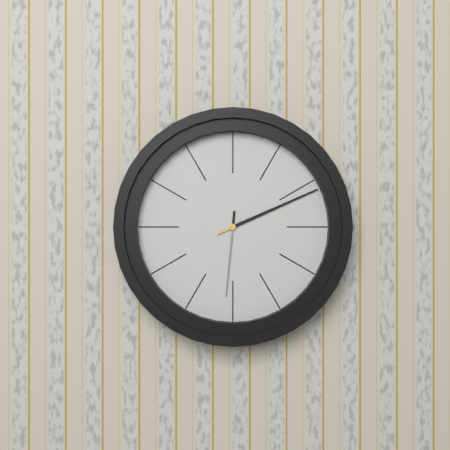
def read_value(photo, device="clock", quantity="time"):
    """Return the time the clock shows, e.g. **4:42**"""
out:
**6:11**
